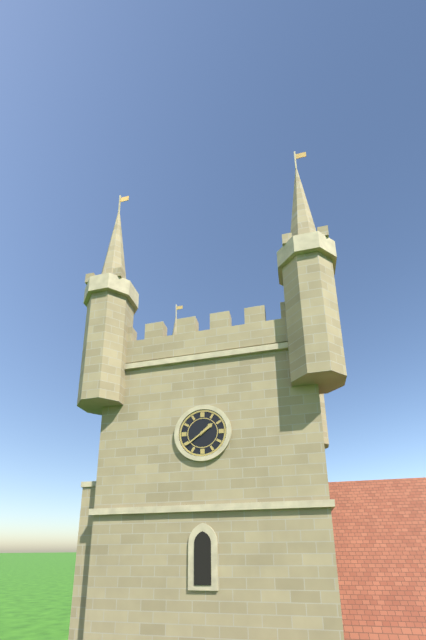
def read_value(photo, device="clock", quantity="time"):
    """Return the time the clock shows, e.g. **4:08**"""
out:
**1:39**
